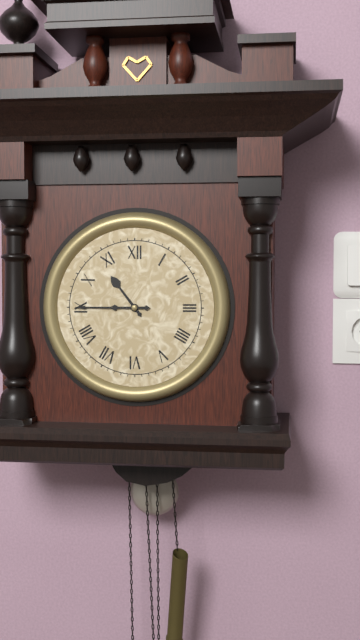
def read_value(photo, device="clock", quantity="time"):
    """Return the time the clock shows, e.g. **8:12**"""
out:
**10:45**
